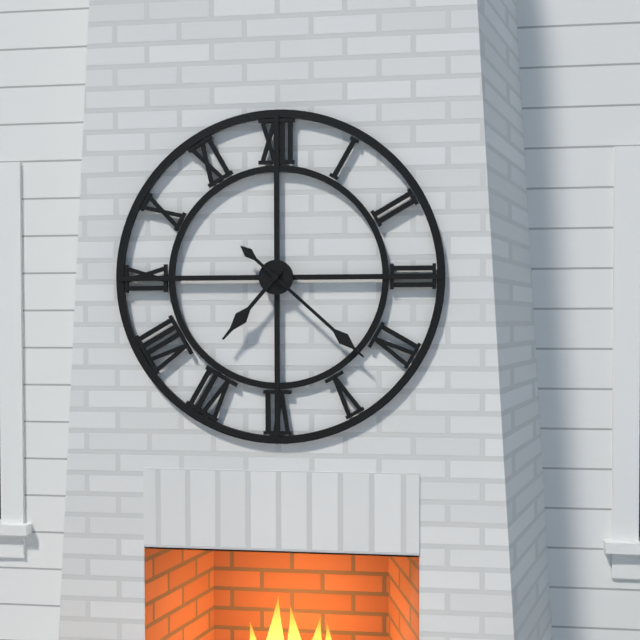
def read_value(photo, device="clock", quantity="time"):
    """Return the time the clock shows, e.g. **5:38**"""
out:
**7:22**
